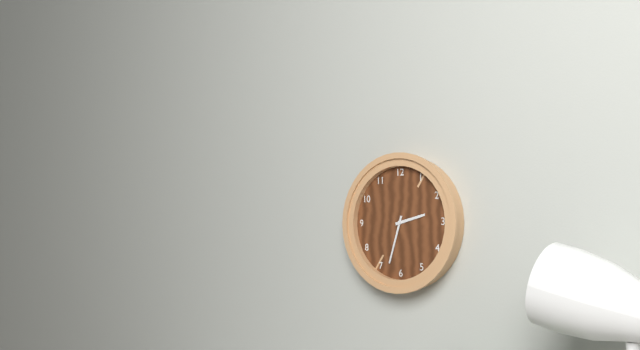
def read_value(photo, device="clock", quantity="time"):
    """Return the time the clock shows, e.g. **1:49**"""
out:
**2:33**
